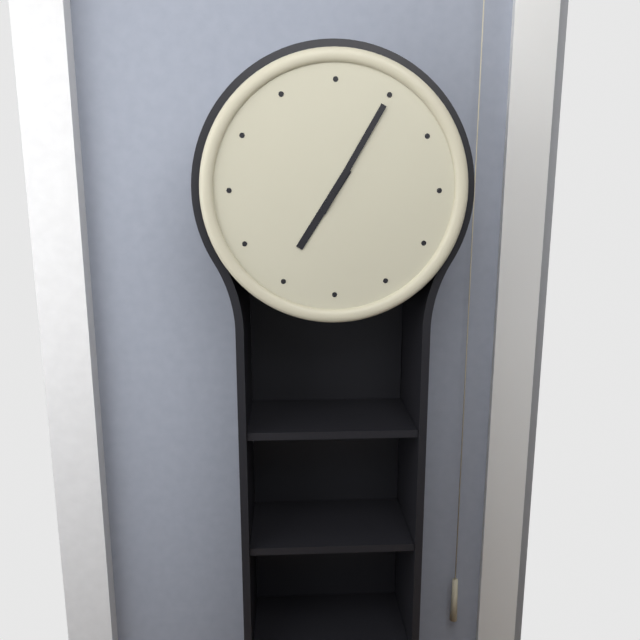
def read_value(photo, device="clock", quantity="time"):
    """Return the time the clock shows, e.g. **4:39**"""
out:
**7:05**
